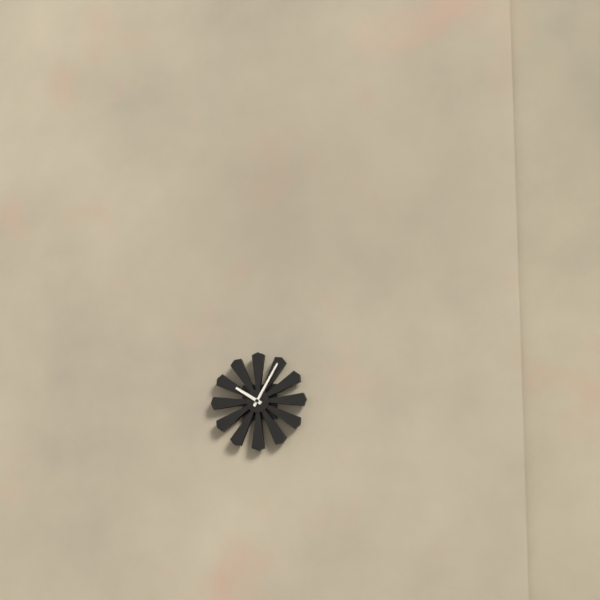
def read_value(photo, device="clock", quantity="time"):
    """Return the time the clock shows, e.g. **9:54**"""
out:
**10:05**
